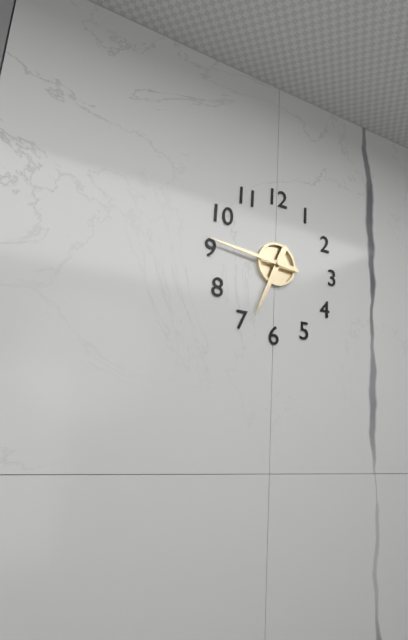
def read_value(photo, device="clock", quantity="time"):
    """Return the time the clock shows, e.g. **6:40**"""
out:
**6:46**
